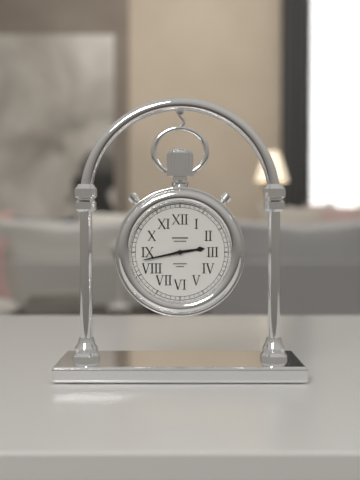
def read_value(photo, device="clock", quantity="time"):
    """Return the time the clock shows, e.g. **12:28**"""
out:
**2:43**
